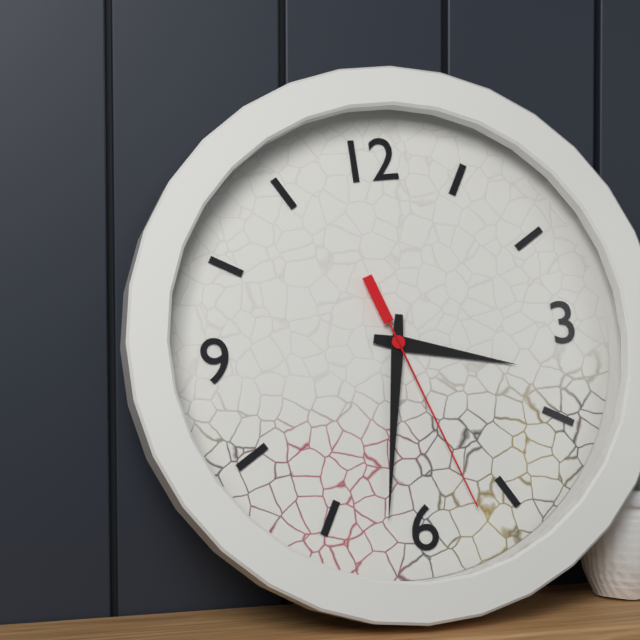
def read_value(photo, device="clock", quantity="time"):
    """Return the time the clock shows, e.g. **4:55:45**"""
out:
**3:32:27**
